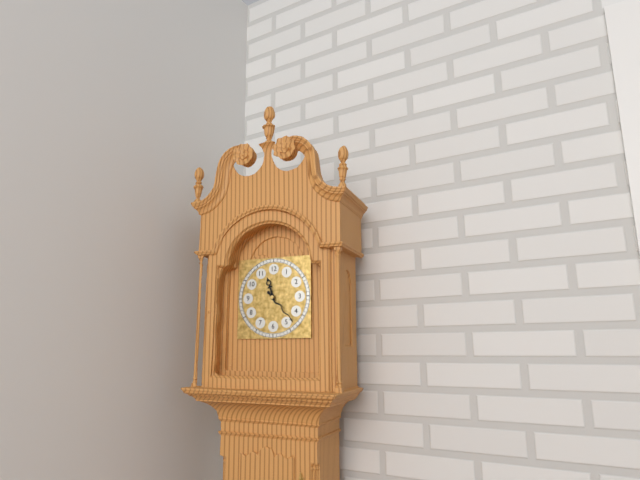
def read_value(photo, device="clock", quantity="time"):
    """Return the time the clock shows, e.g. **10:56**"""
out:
**11:23**
